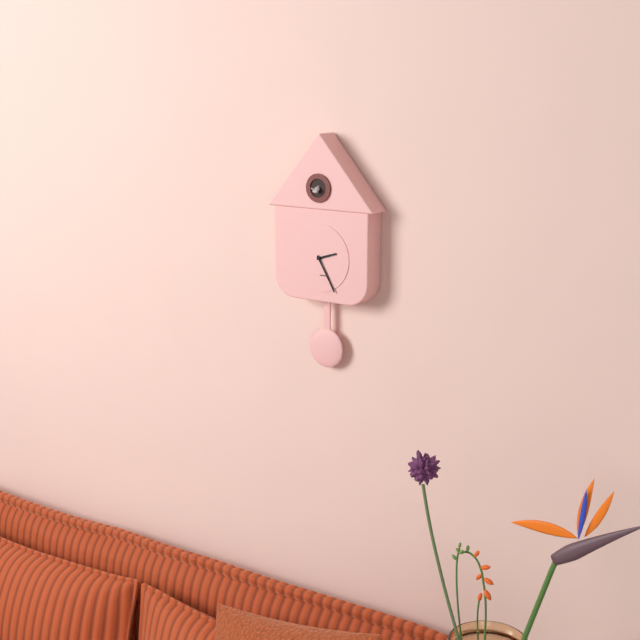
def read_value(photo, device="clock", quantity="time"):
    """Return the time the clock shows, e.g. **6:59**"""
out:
**2:25**
